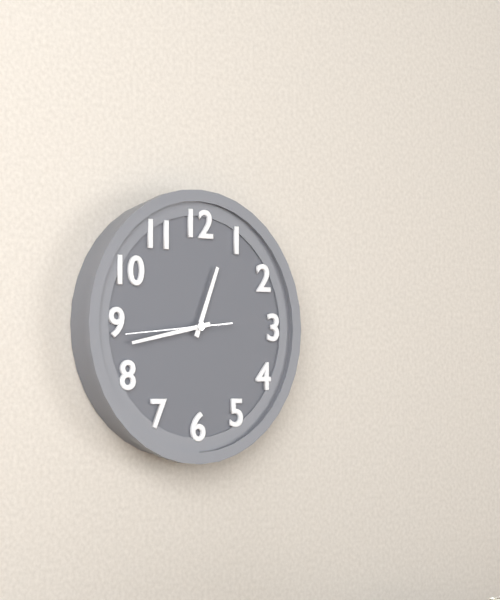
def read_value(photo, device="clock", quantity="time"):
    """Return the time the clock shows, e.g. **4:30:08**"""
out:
**12:43:44**
